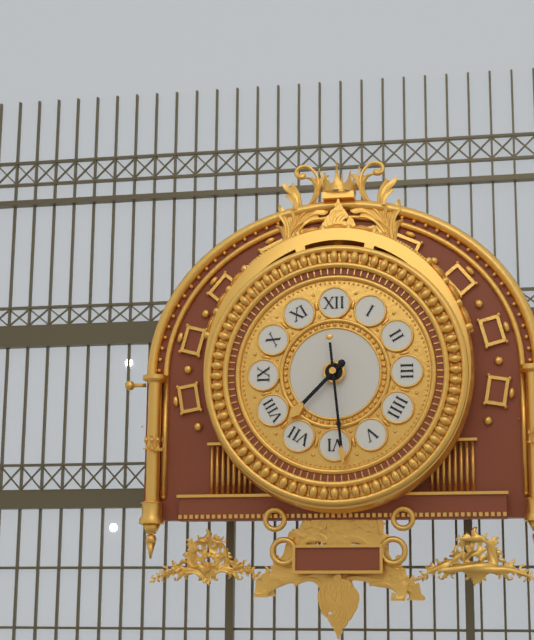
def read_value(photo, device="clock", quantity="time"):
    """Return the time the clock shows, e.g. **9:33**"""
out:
**7:29**
